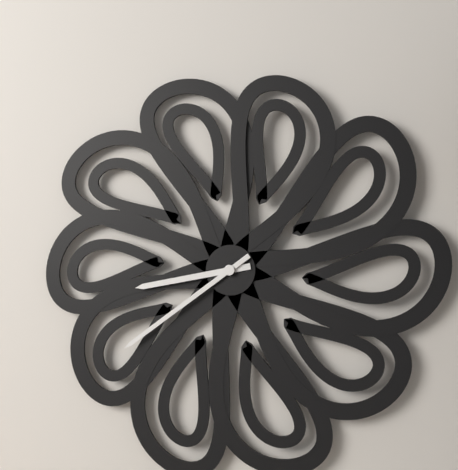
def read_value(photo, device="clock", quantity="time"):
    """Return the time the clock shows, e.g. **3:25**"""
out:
**8:39**
